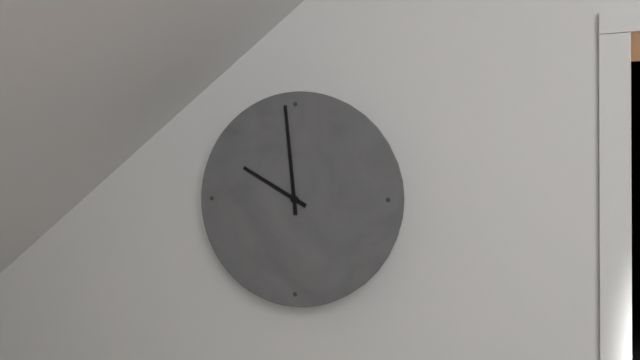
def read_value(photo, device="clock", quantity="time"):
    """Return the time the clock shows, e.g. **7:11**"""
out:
**9:59**
